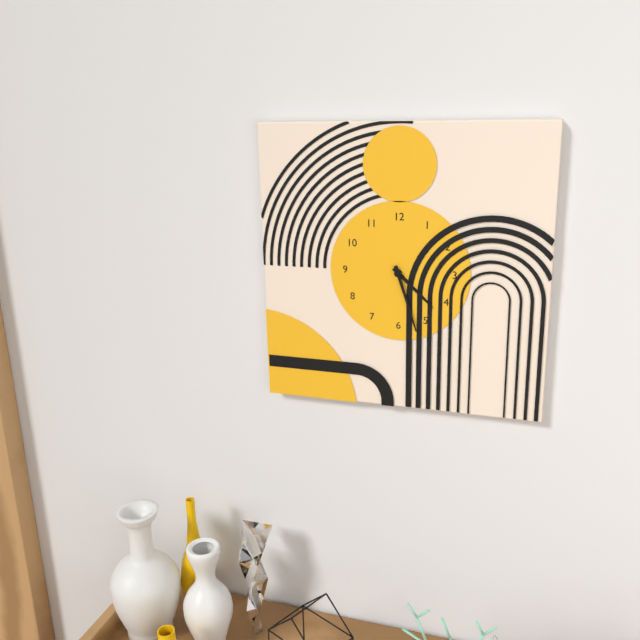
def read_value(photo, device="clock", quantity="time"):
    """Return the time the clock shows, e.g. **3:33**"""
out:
**4:27**
